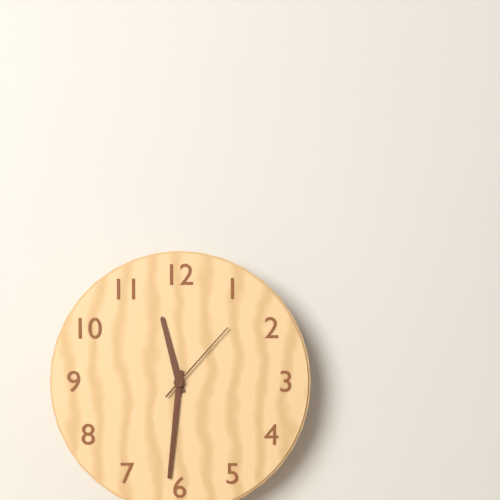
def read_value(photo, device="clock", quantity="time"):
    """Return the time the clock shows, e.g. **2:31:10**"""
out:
**11:31:07**
